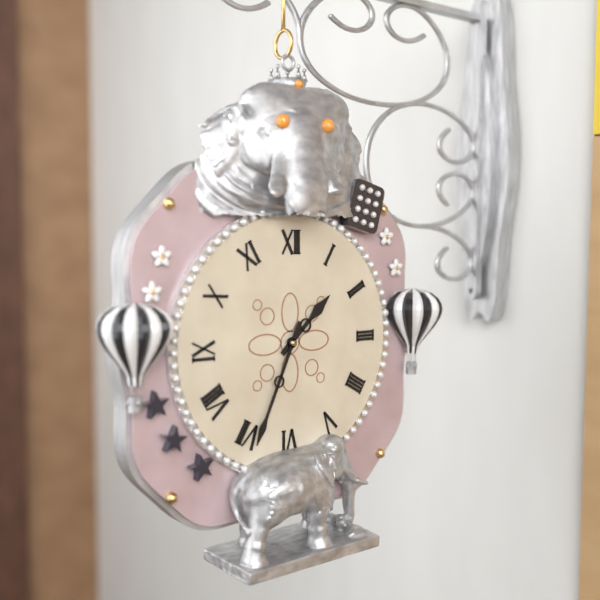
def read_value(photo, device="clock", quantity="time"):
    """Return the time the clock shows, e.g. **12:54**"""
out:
**1:34**
